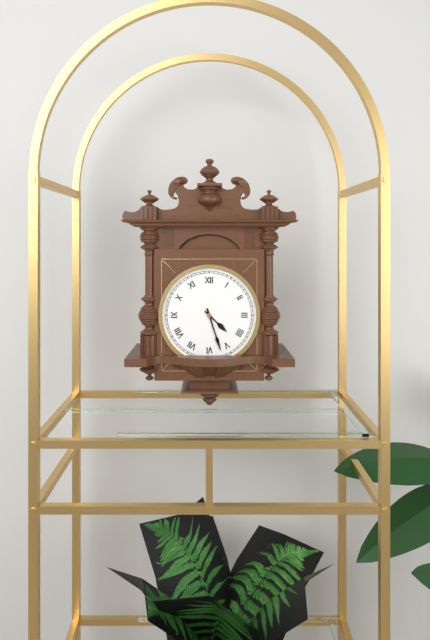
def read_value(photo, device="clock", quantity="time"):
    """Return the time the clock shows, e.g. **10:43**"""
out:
**4:27**
